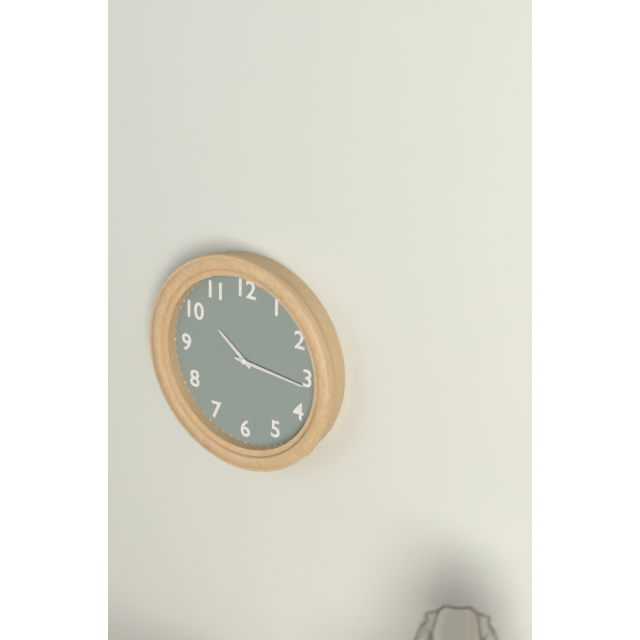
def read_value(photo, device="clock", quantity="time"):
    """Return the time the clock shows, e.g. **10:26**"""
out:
**10:16**
